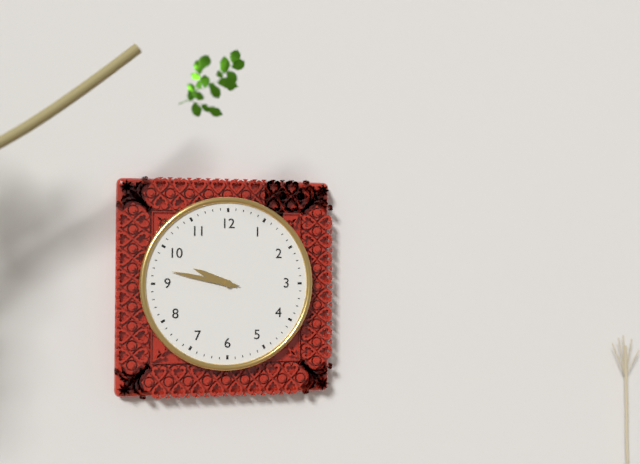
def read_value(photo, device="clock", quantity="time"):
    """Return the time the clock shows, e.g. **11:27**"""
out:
**9:47**
